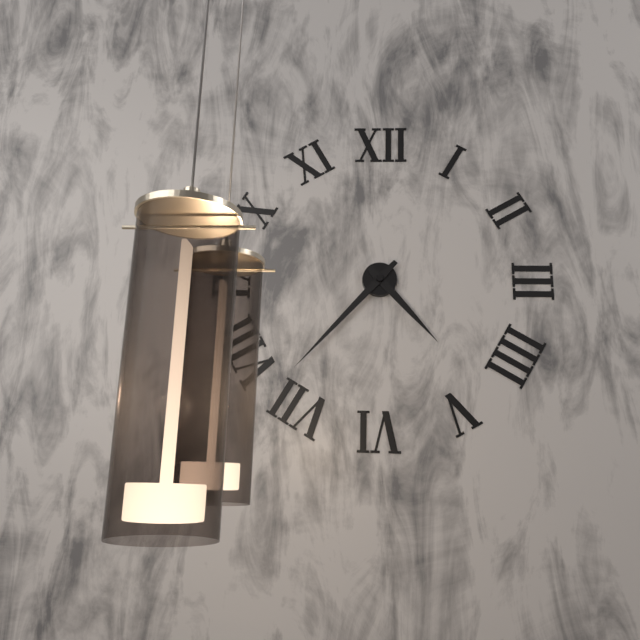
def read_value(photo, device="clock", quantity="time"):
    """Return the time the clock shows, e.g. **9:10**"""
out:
**4:37**
